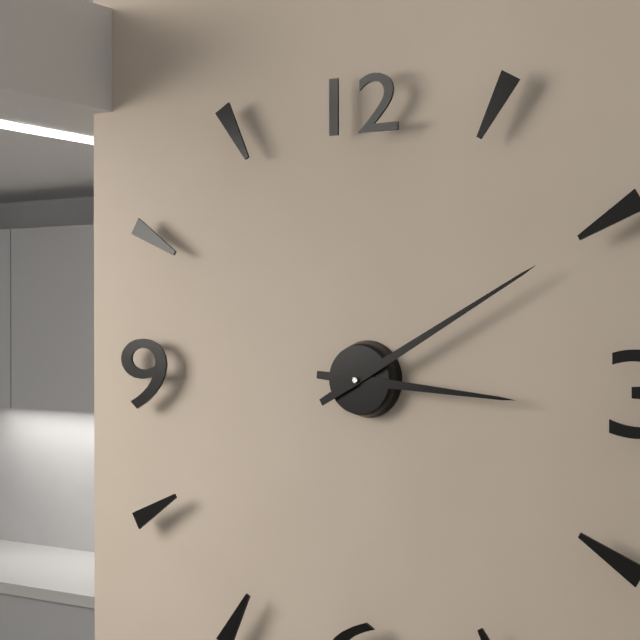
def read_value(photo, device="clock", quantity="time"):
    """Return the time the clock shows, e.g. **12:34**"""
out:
**3:10**
